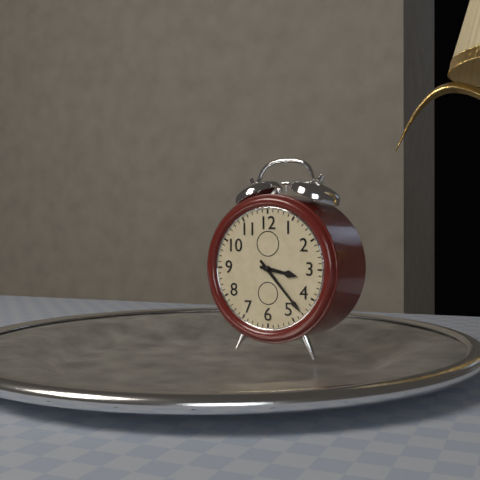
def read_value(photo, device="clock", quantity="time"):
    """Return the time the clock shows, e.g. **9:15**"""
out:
**3:23**
